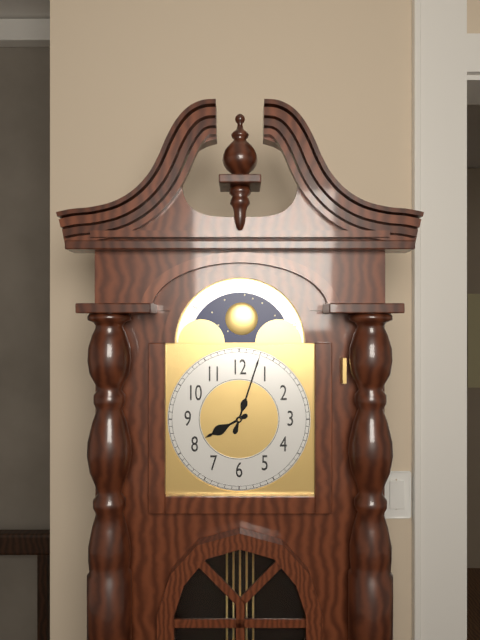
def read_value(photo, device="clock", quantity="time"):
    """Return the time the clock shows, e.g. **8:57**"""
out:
**8:03**
